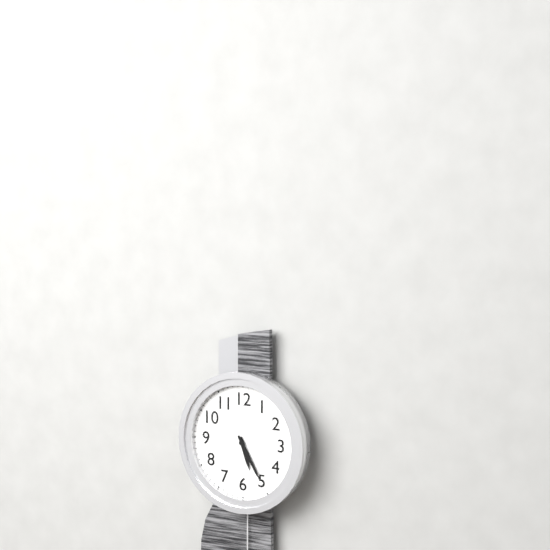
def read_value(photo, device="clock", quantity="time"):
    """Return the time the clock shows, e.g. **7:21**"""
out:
**5:25**
